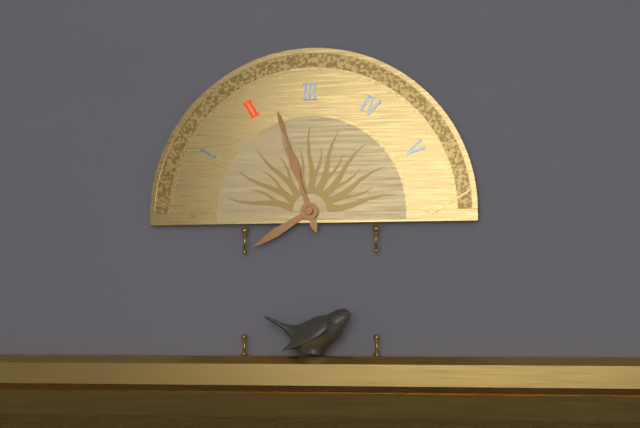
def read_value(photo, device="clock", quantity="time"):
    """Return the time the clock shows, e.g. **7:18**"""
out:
**7:57**
